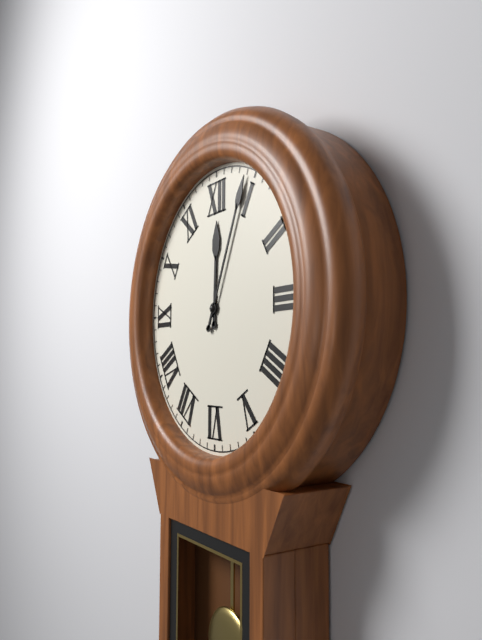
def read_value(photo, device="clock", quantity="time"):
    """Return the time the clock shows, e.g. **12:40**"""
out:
**12:04**
